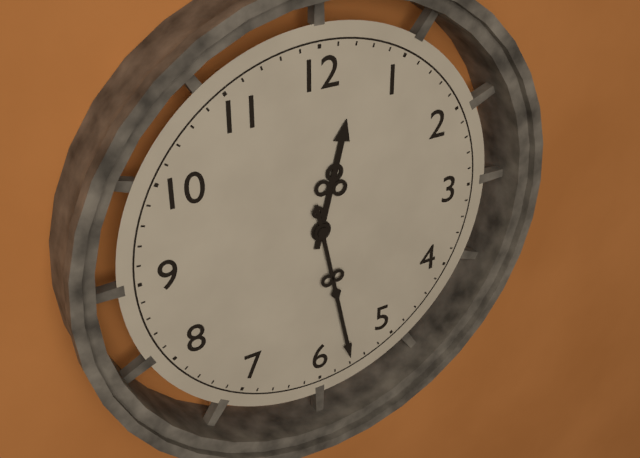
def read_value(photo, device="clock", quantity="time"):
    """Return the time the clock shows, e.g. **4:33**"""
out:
**12:28**
